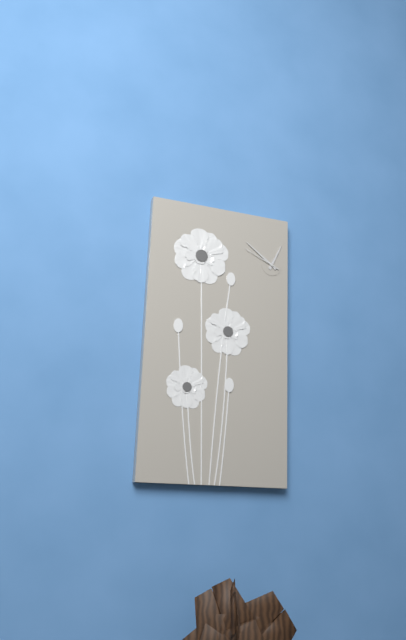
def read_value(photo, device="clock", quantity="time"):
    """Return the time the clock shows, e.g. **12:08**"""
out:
**12:51**
